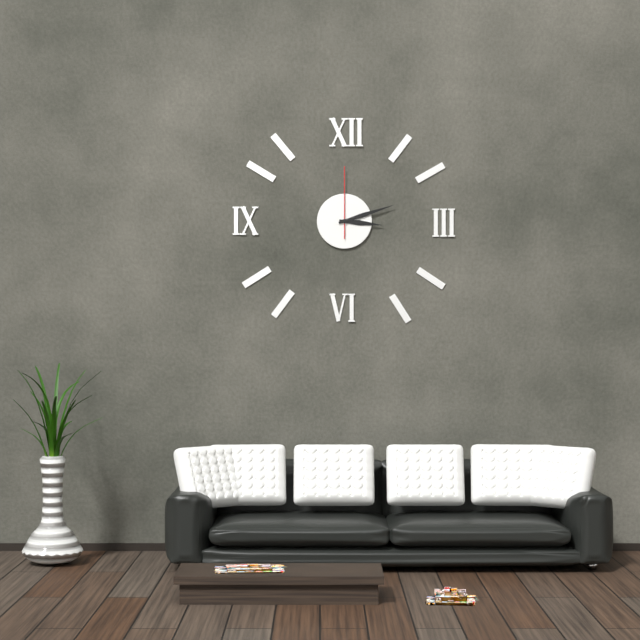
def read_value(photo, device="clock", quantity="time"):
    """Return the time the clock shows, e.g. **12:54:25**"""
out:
**3:12:00**
